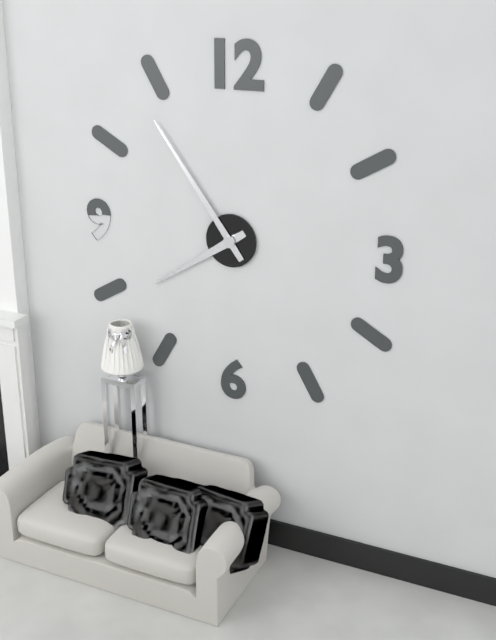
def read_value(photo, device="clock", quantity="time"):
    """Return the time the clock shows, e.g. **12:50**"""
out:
**7:54**
